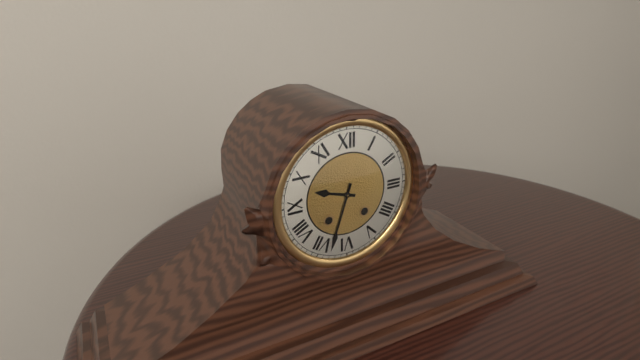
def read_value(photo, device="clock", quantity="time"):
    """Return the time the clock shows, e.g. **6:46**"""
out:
**9:33**
